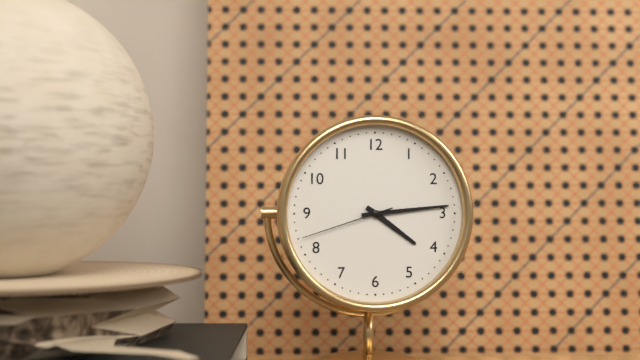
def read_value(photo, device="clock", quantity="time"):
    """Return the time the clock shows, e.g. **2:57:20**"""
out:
**4:14:42**
